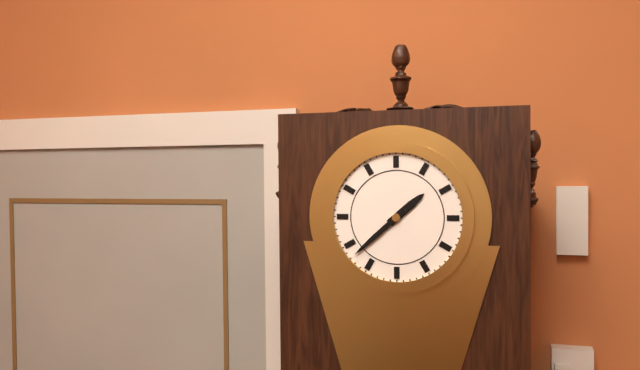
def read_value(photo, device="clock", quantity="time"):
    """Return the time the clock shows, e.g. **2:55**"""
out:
**1:38**
